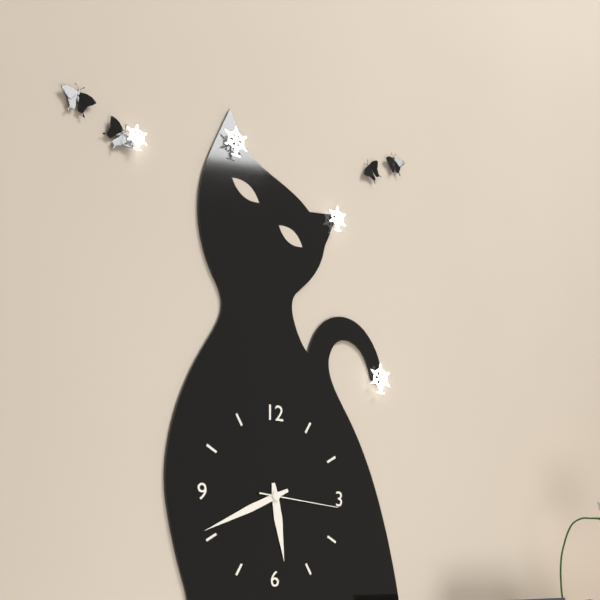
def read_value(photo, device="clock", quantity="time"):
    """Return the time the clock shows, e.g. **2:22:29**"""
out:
**5:41:16**
